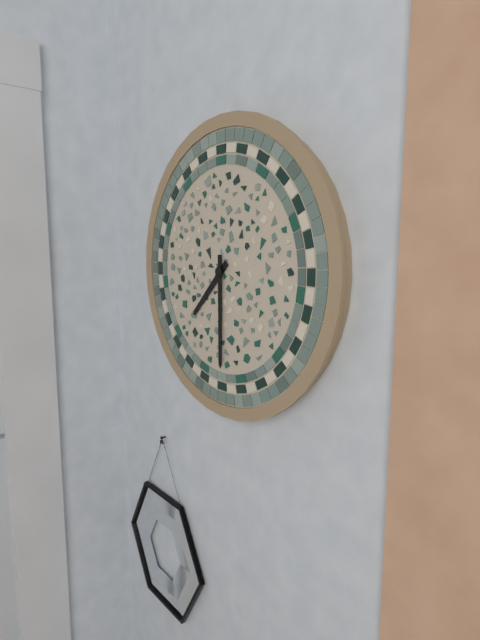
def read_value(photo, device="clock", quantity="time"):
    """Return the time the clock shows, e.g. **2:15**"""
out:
**7:30**
